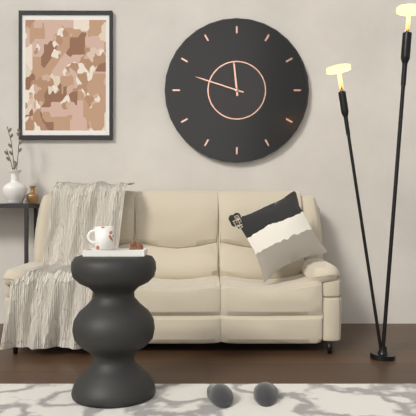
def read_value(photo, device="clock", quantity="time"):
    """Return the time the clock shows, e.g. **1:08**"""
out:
**11:48**
